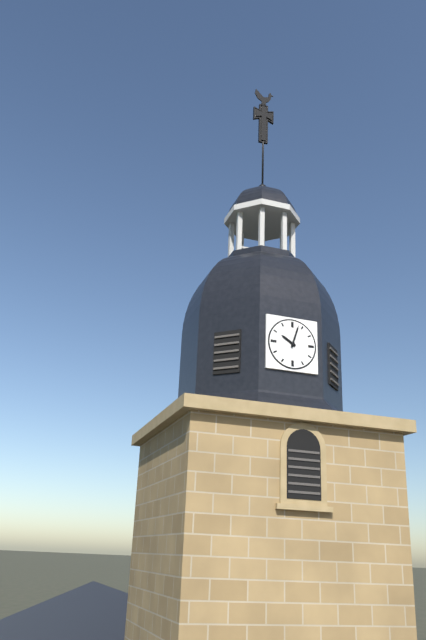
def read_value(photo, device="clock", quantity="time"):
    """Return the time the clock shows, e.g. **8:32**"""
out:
**10:03**
